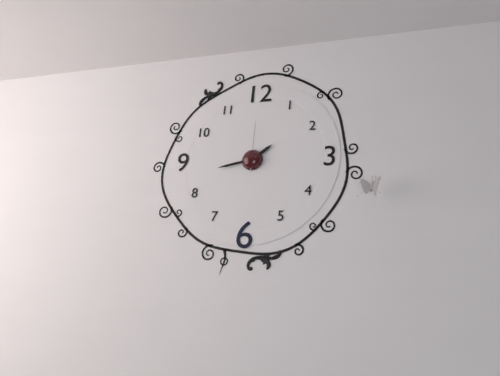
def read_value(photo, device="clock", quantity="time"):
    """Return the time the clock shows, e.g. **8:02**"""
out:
**1:43**
